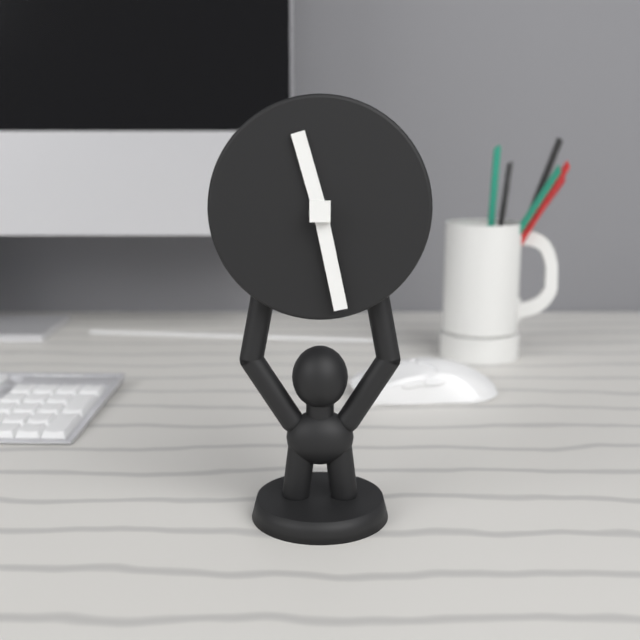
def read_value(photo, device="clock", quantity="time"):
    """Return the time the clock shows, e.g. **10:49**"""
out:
**11:28**
